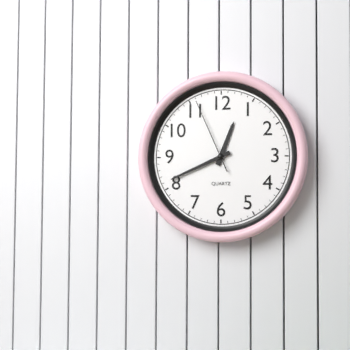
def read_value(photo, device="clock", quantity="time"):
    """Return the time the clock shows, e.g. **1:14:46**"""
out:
**12:41:56**
